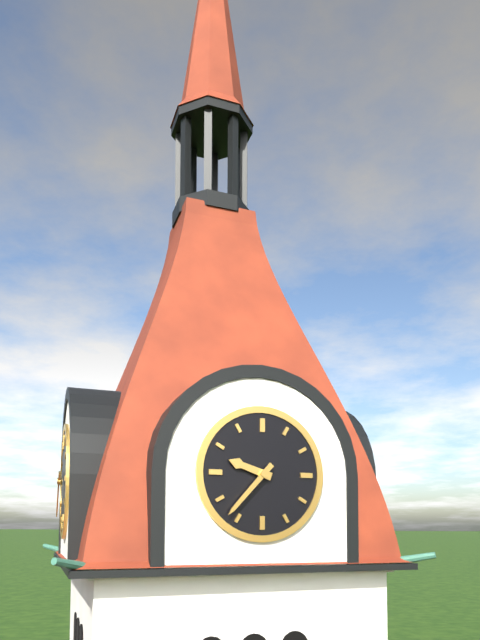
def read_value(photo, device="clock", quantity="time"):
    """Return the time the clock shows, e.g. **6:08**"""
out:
**9:37**
